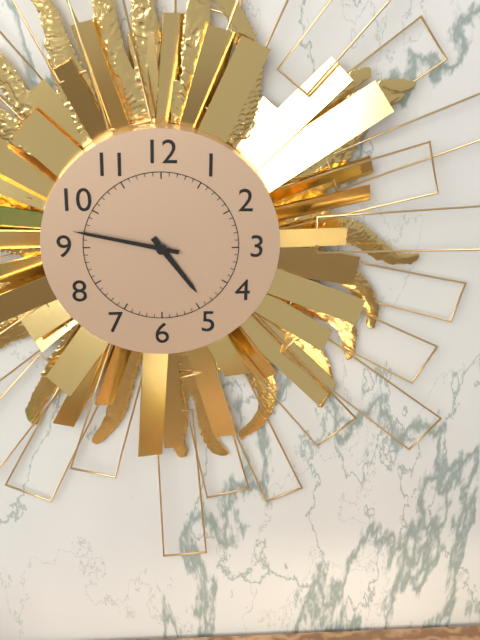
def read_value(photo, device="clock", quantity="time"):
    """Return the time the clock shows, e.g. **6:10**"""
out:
**4:47**
